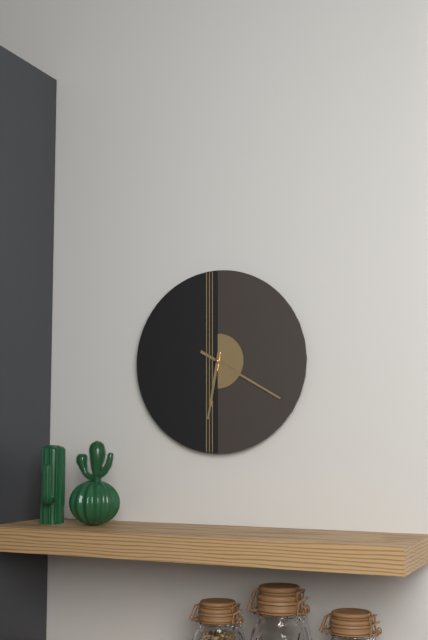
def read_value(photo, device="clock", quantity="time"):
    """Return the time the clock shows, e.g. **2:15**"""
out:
**6:20**
